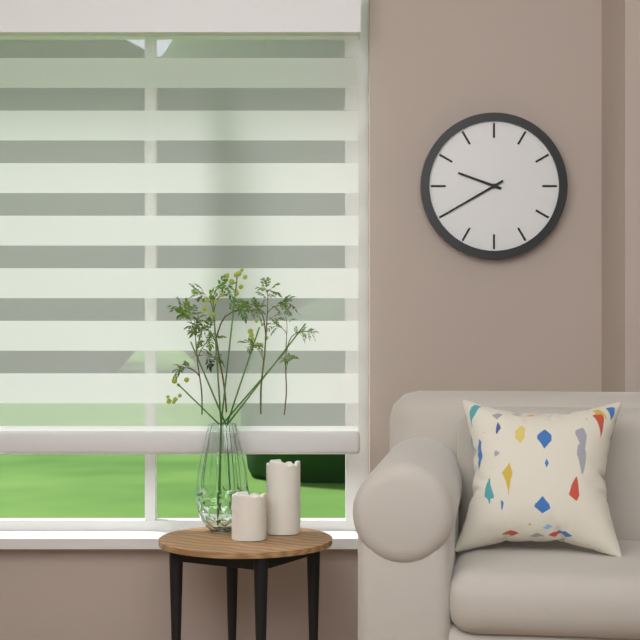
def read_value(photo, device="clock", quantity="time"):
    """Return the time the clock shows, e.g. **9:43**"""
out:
**9:40**
